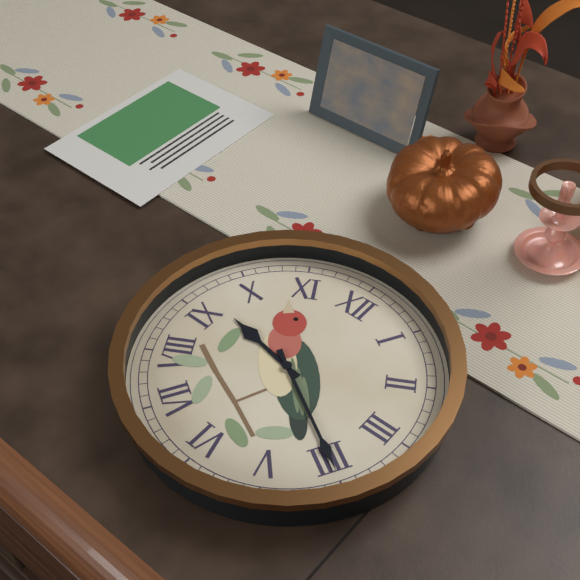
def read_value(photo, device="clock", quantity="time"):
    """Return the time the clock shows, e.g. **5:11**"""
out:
**9:20**
